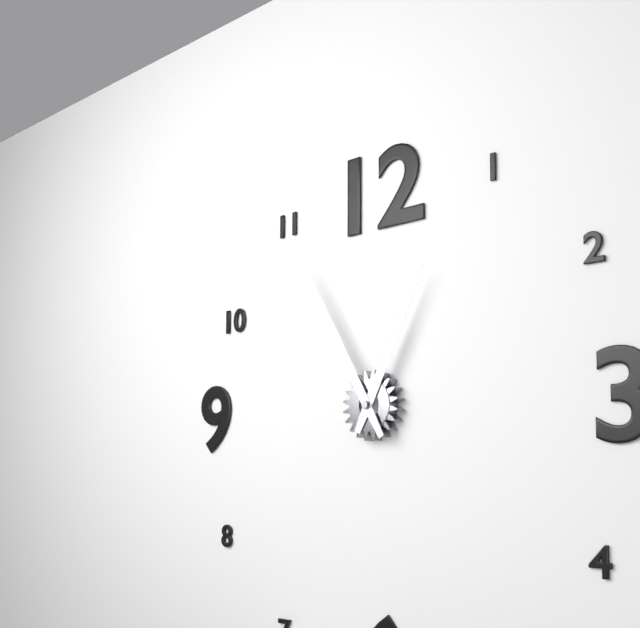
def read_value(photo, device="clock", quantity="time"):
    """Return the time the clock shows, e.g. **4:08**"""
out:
**12:55**
